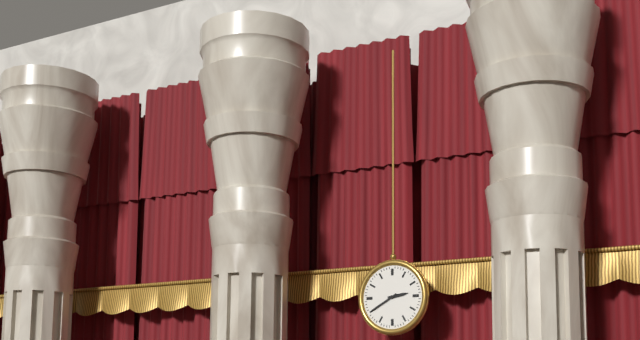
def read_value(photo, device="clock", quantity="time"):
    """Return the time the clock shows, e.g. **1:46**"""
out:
**2:40**
